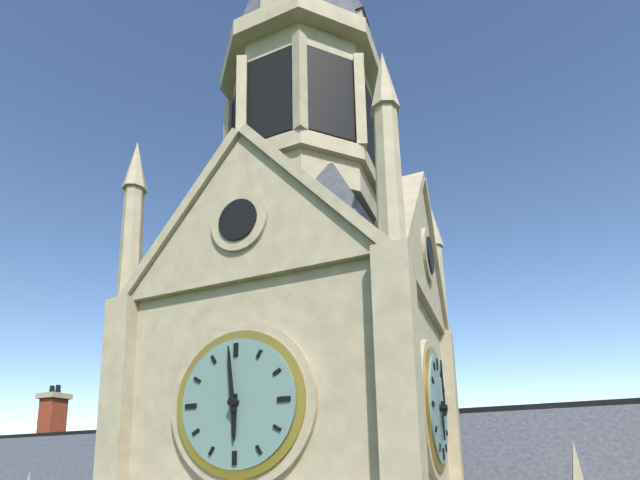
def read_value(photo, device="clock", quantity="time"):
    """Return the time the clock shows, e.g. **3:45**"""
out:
**5:59**
